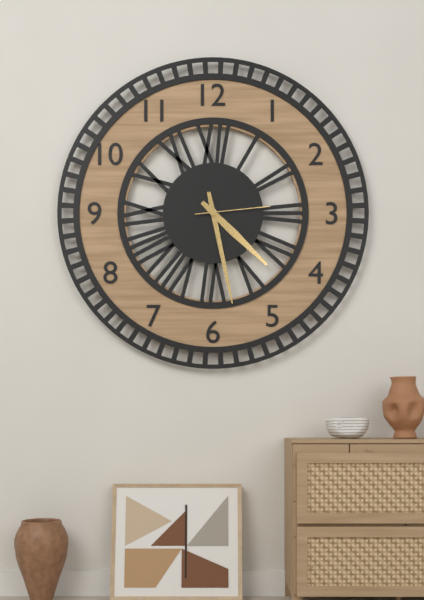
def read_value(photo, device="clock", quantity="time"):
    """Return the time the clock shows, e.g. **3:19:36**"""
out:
**4:28:14**
